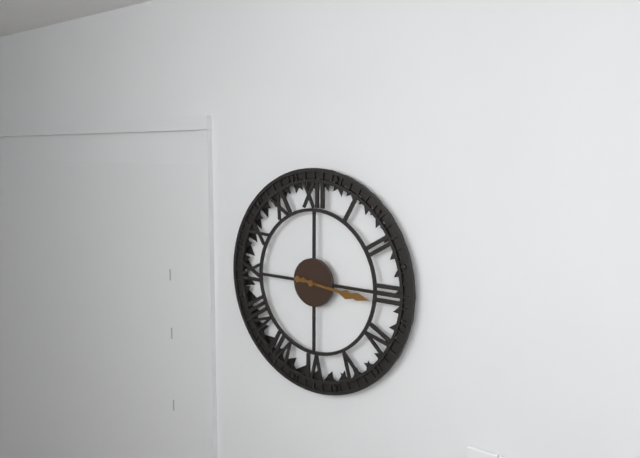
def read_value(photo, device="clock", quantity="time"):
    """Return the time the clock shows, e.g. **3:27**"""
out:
**3:16**
